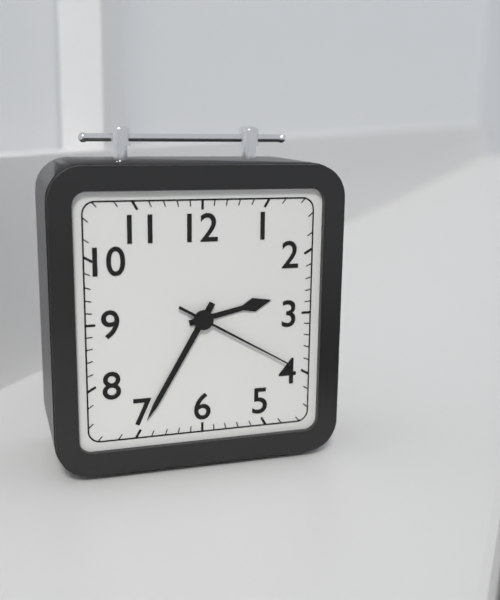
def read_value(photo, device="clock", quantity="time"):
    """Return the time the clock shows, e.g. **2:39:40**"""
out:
**2:35:20**
